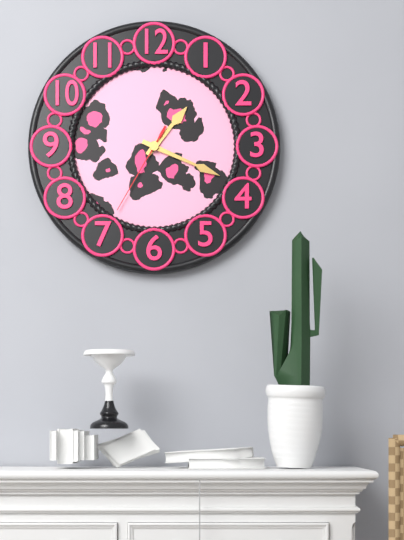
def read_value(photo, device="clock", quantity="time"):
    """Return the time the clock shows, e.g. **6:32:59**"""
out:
**1:19:35**
